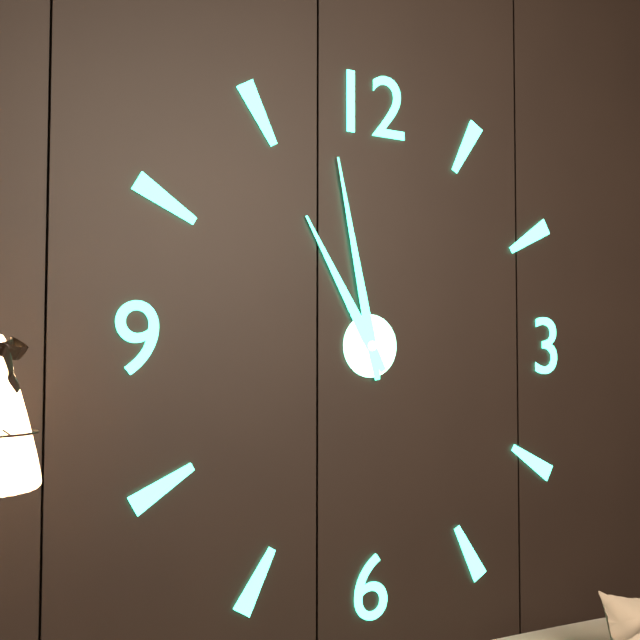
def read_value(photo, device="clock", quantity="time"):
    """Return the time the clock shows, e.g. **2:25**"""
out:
**10:58**
